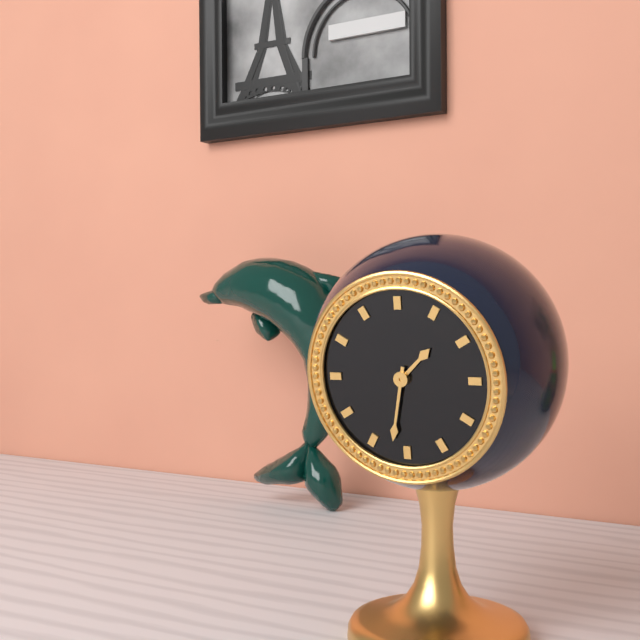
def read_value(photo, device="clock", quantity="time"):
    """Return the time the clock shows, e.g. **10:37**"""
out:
**1:32**
